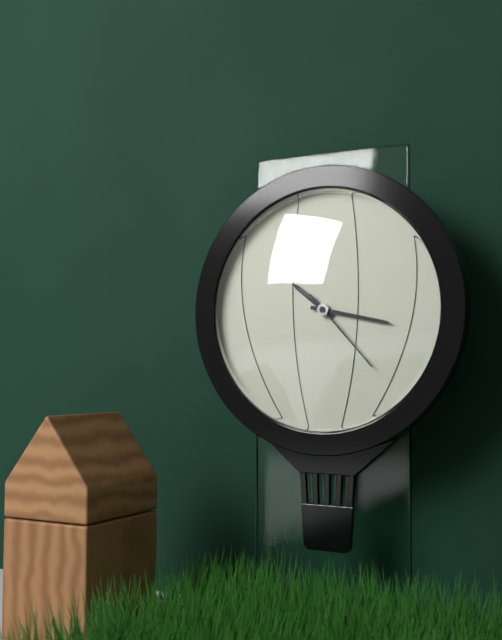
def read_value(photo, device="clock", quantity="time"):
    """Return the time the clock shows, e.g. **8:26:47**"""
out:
**10:17:23**
